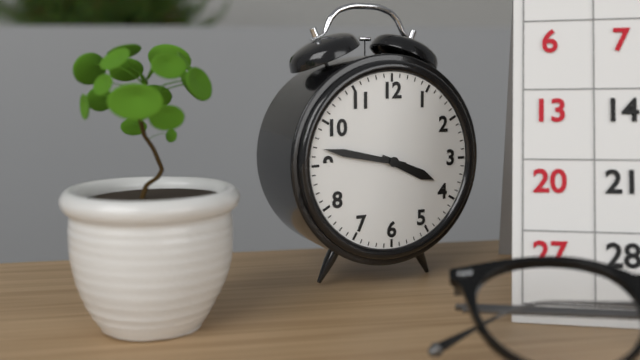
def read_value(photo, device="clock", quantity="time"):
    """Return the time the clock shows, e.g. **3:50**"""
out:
**3:47**
